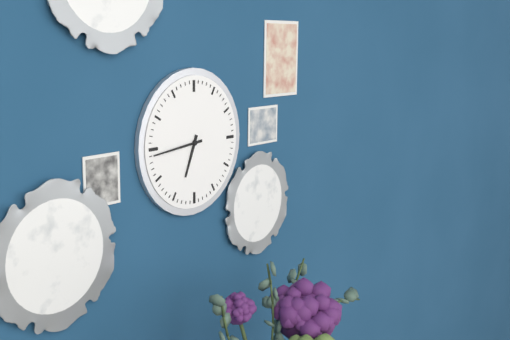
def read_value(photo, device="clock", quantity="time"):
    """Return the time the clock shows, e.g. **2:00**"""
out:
**6:44**
